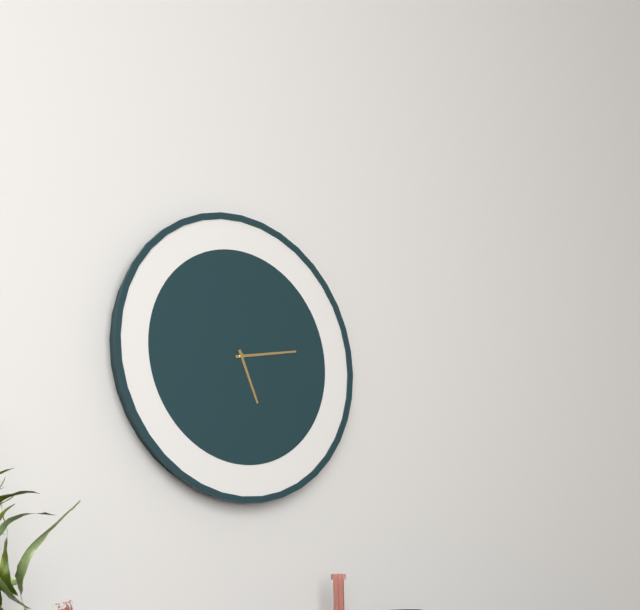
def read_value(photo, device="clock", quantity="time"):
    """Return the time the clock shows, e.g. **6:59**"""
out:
**5:13**
